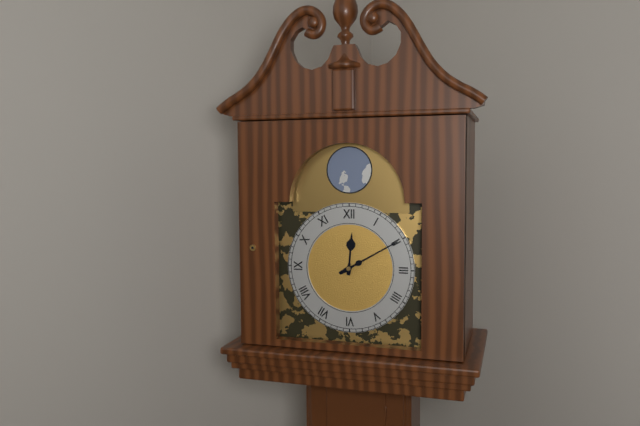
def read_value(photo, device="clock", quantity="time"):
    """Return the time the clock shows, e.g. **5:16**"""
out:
**12:10**
